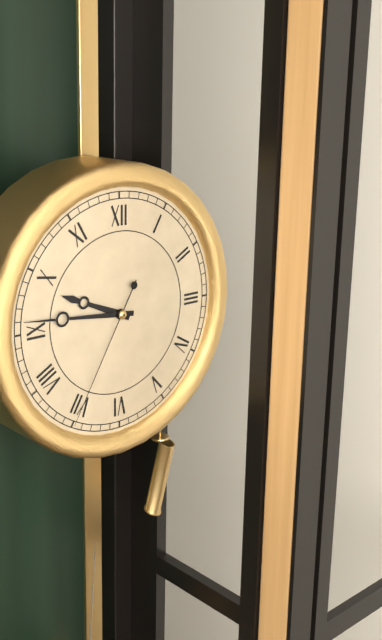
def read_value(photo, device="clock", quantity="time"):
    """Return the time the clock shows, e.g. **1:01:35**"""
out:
**9:46:35**
